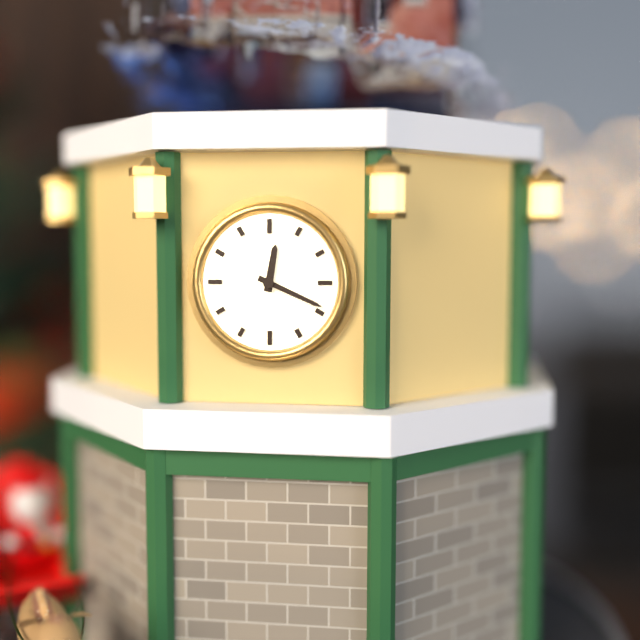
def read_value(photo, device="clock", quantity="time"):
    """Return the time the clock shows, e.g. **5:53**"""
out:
**12:19**
